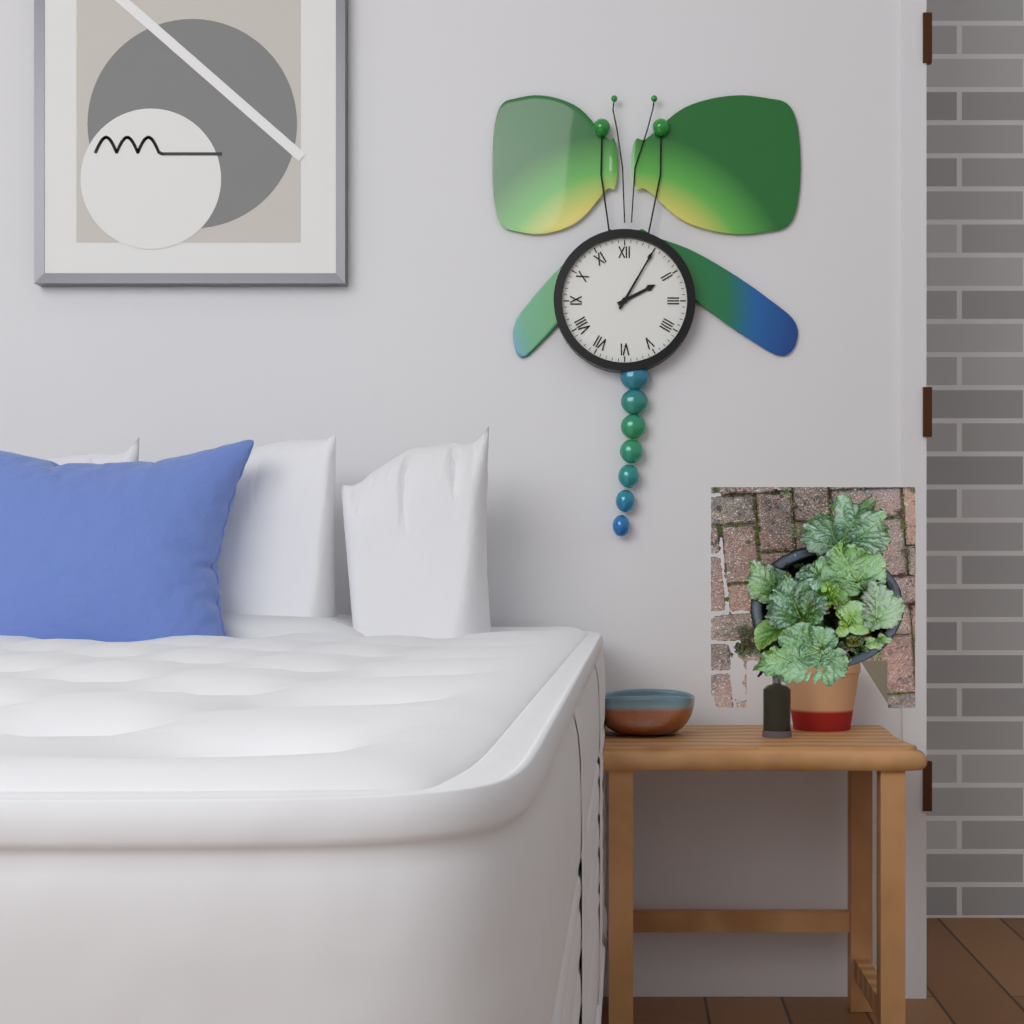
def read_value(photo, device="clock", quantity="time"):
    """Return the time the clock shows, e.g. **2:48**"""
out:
**2:05**
